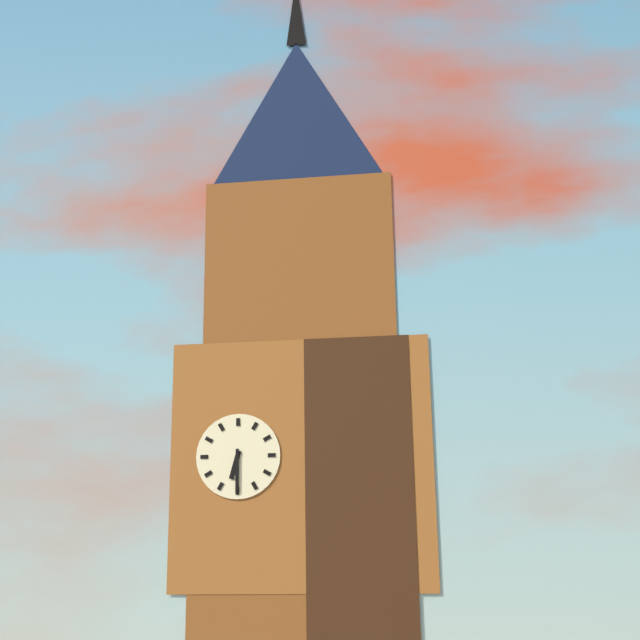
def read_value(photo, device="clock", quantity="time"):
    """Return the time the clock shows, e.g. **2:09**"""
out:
**6:30**
